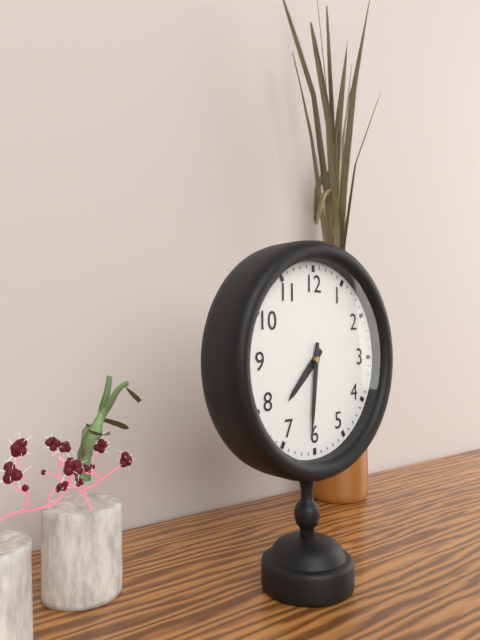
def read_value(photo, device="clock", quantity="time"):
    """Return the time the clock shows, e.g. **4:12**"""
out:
**7:31**
